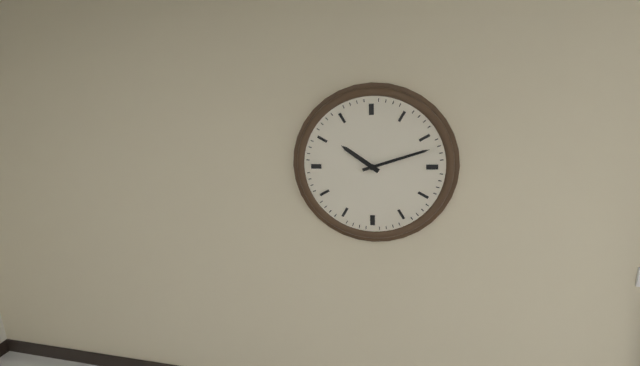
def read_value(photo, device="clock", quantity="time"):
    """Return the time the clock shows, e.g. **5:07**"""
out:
**10:12**
